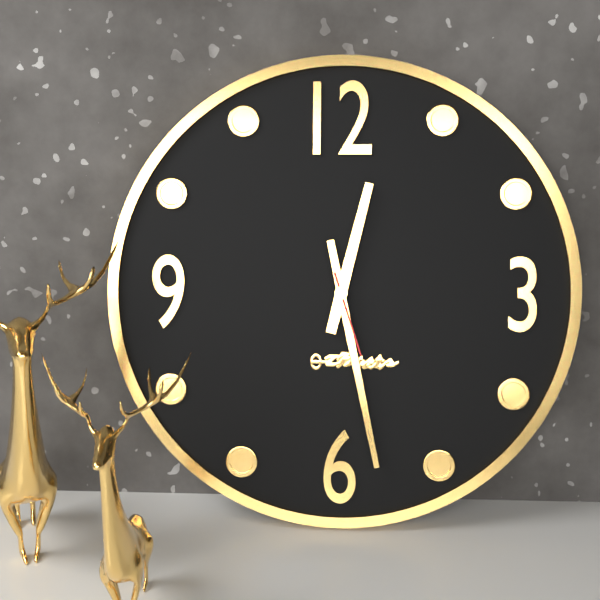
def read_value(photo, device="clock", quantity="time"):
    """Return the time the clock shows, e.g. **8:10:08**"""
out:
**12:28:27**
